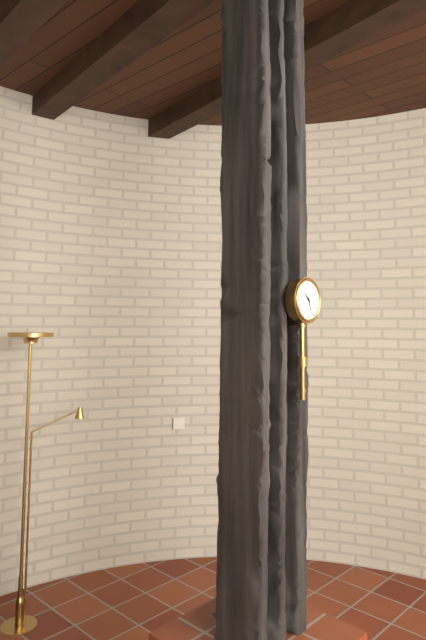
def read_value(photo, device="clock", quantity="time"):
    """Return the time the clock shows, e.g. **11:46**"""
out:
**10:27**
